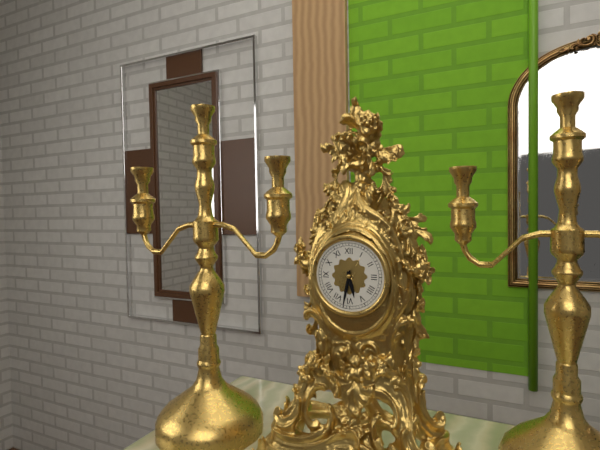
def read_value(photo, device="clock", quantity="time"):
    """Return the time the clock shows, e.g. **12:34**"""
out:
**5:32**
